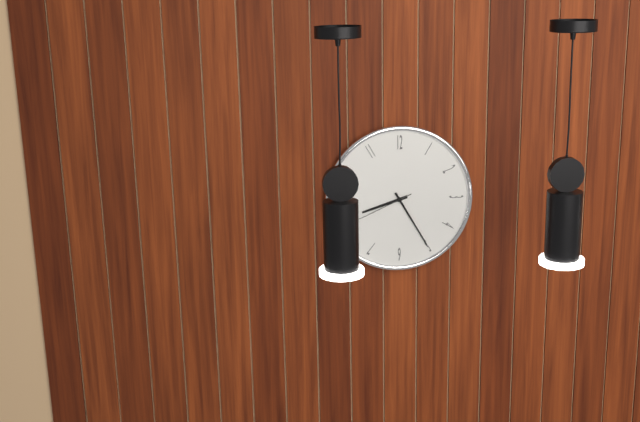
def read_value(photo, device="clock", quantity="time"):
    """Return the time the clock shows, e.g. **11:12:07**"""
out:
**8:25:41**
